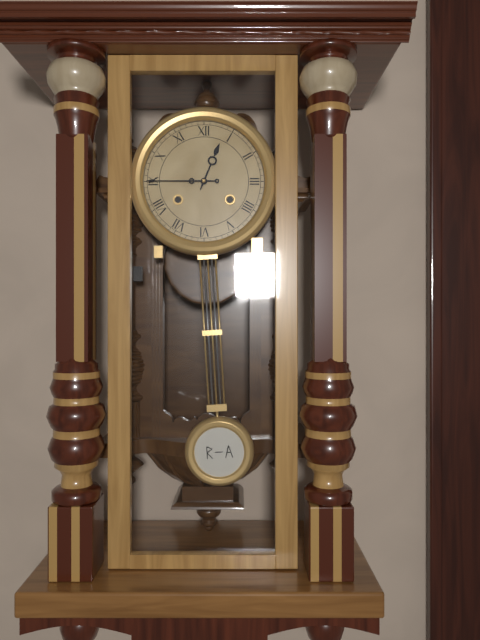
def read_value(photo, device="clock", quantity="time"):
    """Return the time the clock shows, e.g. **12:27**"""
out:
**12:45**
